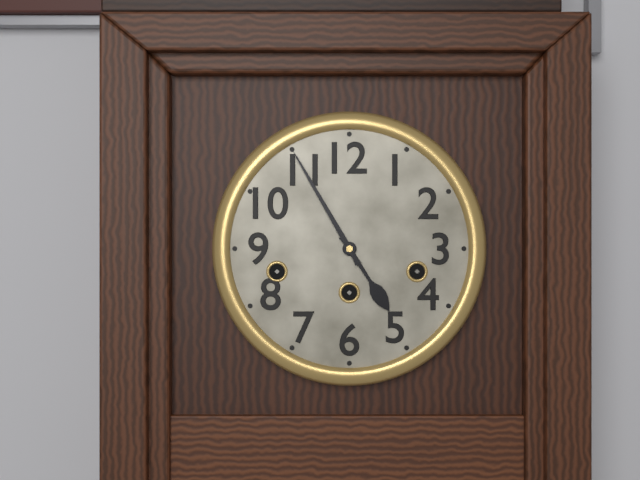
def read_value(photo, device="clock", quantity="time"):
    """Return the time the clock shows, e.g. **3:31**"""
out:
**4:55**
